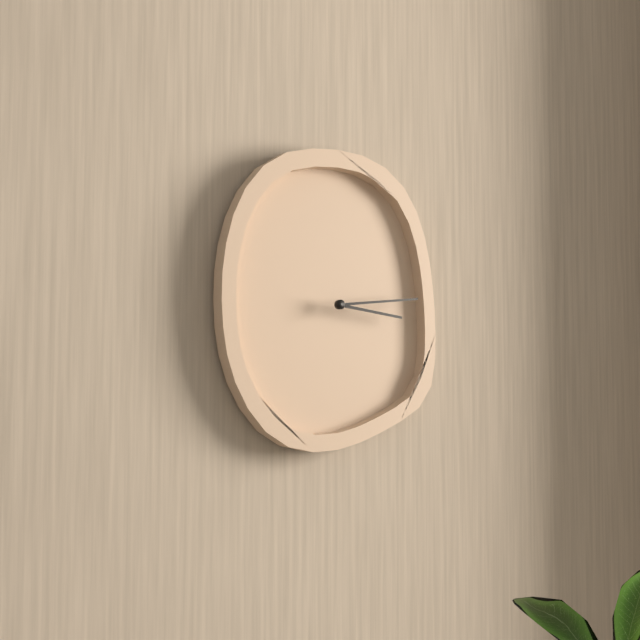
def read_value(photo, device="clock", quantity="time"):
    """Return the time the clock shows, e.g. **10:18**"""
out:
**3:14**
